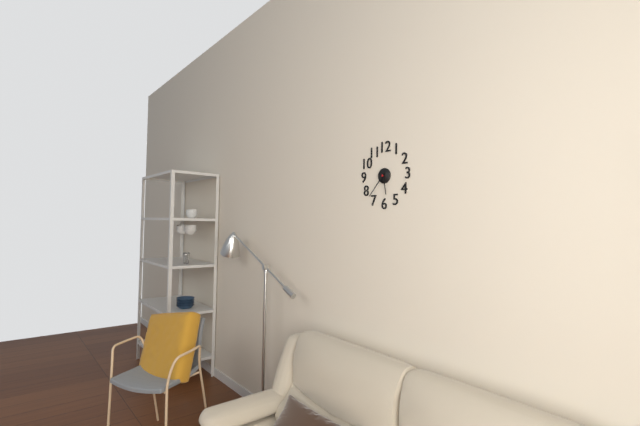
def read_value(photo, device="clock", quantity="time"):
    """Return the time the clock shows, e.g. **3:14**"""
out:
**5:37**
